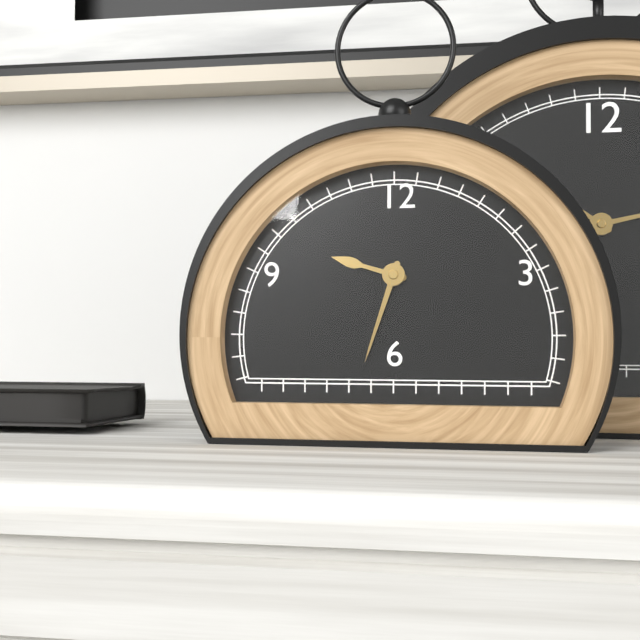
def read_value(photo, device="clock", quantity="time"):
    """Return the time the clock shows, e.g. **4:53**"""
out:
**9:33**
